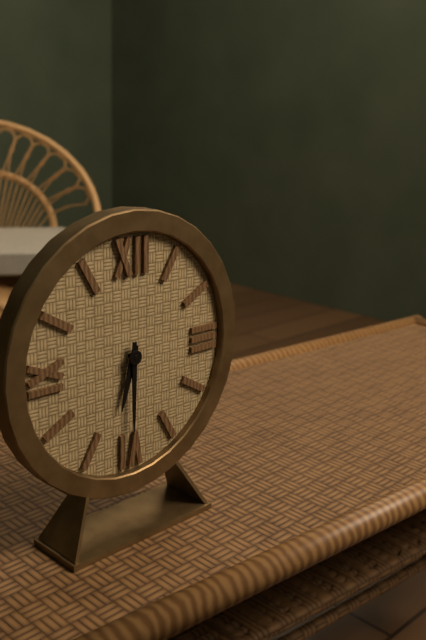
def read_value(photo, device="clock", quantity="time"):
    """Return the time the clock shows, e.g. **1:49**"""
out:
**6:30**
